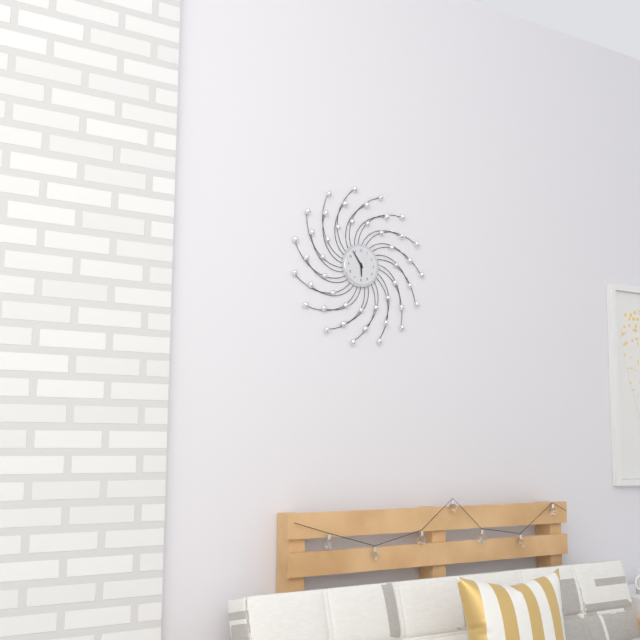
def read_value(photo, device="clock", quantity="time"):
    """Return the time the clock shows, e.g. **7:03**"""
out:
**5:54**
